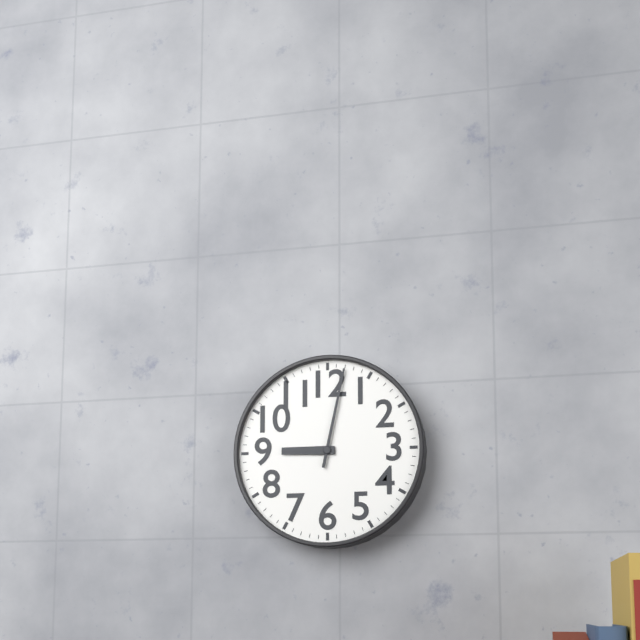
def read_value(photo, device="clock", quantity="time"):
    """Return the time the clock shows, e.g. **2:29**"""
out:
**9:02**
